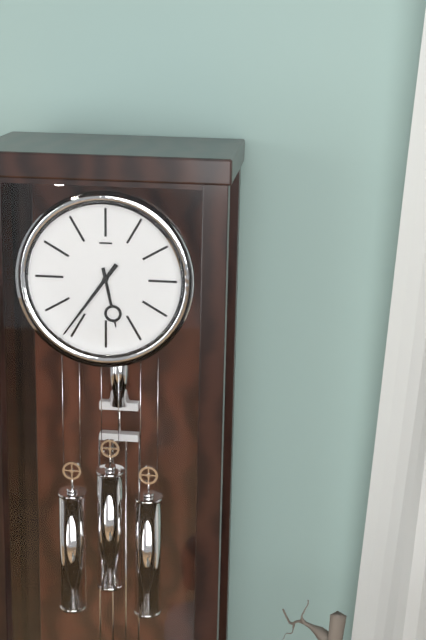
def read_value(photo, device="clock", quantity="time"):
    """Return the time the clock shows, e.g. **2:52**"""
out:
**5:36**
